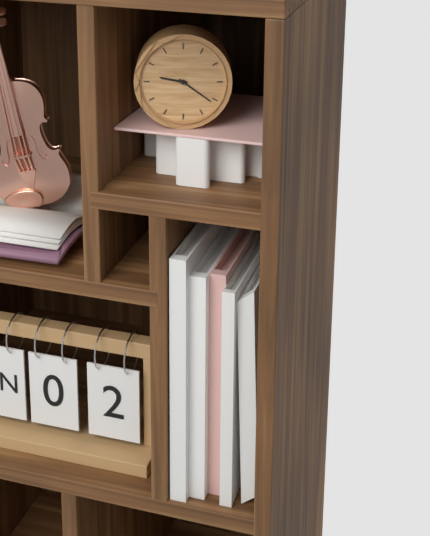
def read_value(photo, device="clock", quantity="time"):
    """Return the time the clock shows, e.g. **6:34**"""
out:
**9:21**
